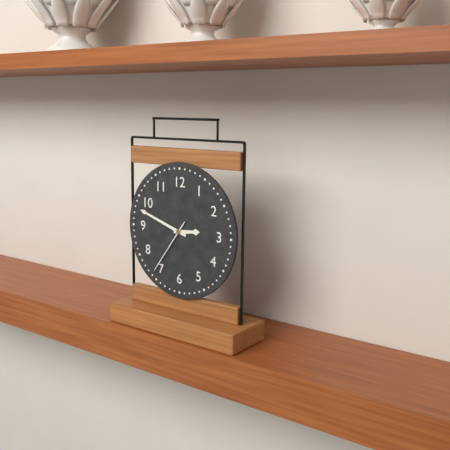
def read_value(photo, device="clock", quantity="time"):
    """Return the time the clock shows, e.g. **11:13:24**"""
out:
**2:48:36**
